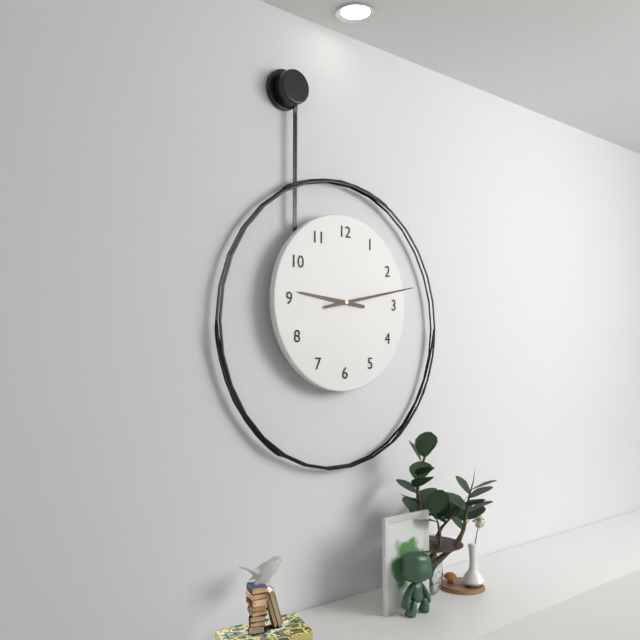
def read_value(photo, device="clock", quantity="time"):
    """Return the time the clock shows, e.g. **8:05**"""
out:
**9:13**
